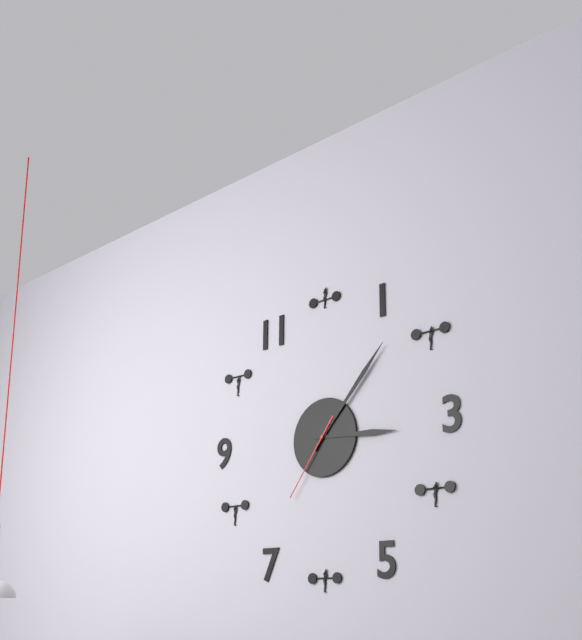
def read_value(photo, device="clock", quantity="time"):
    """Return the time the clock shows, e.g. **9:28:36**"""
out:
**3:07:36**
